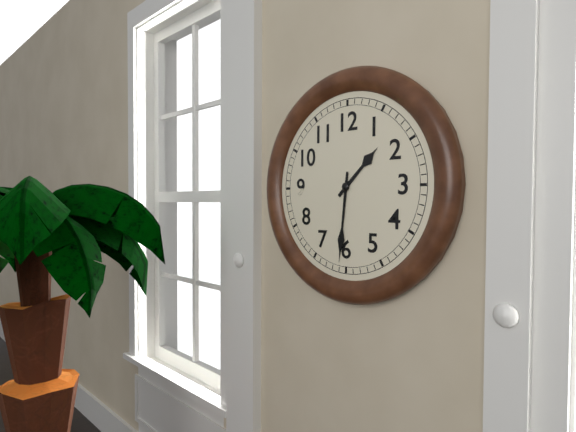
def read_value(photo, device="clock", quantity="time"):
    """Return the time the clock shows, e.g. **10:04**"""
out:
**1:31**
